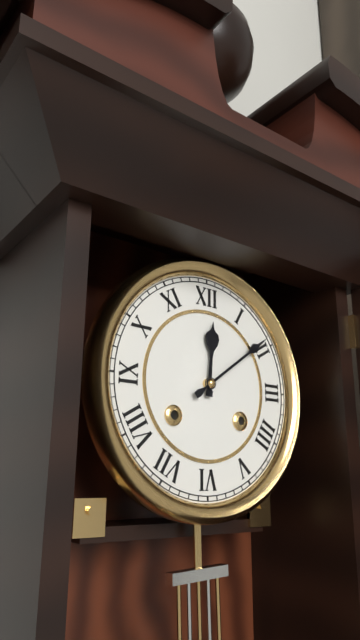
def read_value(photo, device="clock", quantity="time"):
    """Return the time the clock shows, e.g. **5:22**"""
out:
**12:09**
